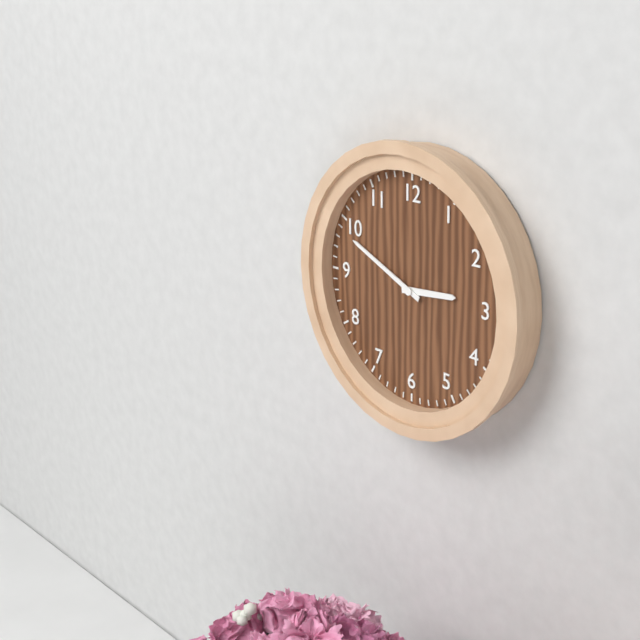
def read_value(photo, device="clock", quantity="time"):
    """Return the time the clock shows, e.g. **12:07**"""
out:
**2:49**
